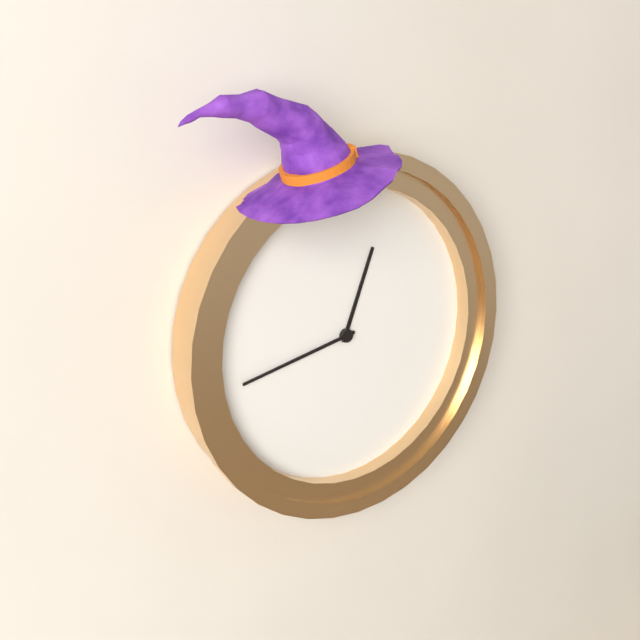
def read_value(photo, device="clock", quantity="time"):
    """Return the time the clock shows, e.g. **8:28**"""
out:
**12:43**
